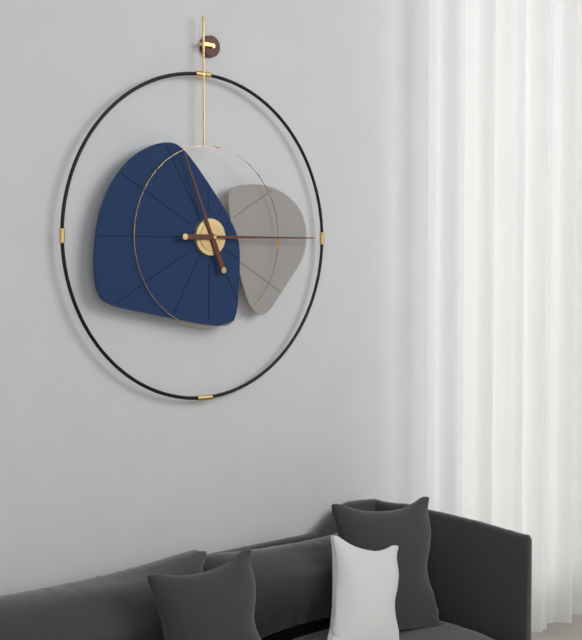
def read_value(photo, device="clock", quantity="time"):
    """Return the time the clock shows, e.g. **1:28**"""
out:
**11:15**
